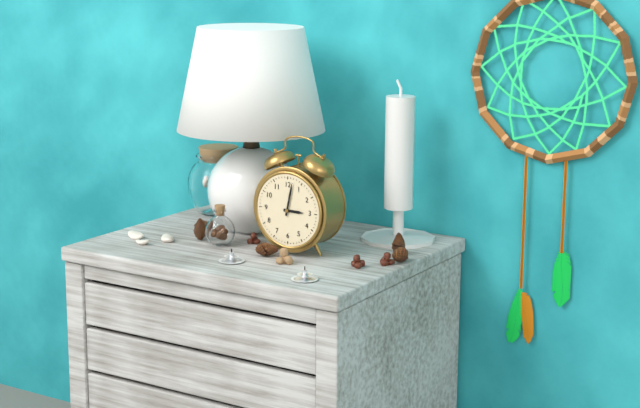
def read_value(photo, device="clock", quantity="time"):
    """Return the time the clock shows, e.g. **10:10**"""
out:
**3:02**
